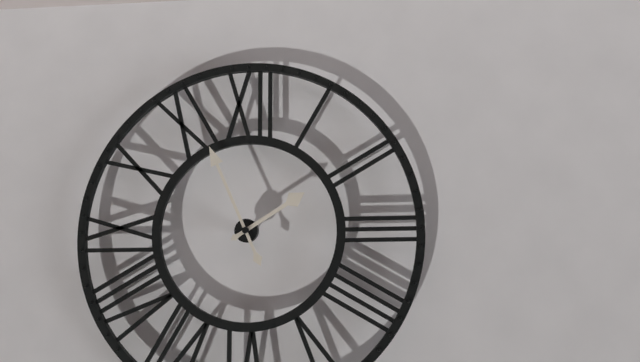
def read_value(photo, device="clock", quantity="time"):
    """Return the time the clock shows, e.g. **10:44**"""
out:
**1:56**
